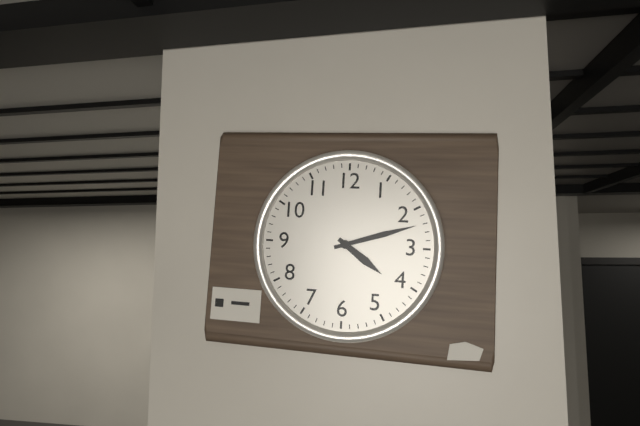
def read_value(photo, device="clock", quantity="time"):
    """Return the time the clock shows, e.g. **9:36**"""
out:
**4:12**
